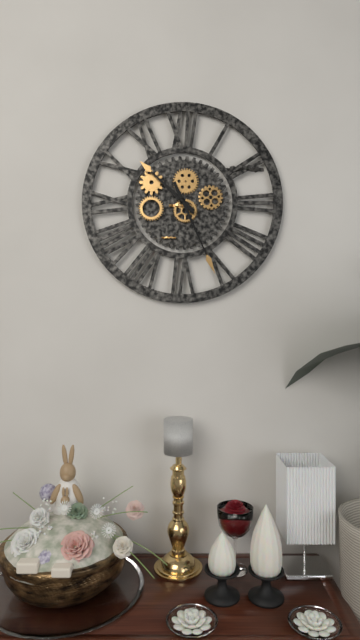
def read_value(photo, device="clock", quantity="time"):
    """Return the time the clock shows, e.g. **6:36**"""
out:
**10:26**
